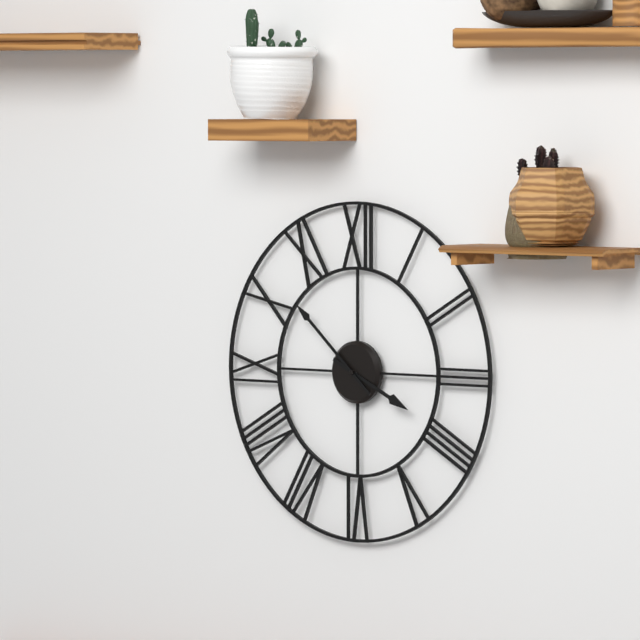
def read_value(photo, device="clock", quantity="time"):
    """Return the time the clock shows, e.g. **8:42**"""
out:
**3:52**
